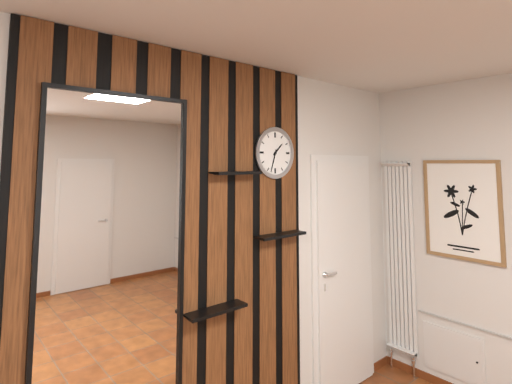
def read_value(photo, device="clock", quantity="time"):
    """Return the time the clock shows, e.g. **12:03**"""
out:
**1:33**
